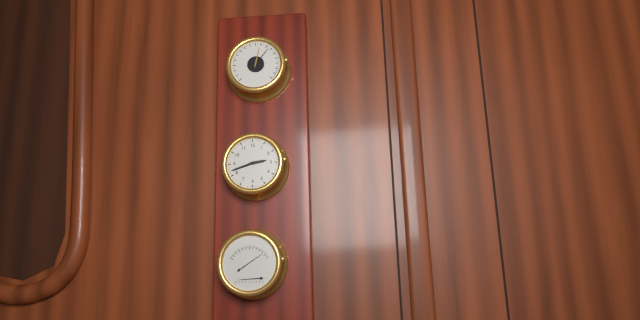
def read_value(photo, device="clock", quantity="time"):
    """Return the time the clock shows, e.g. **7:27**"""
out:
**2:42**
